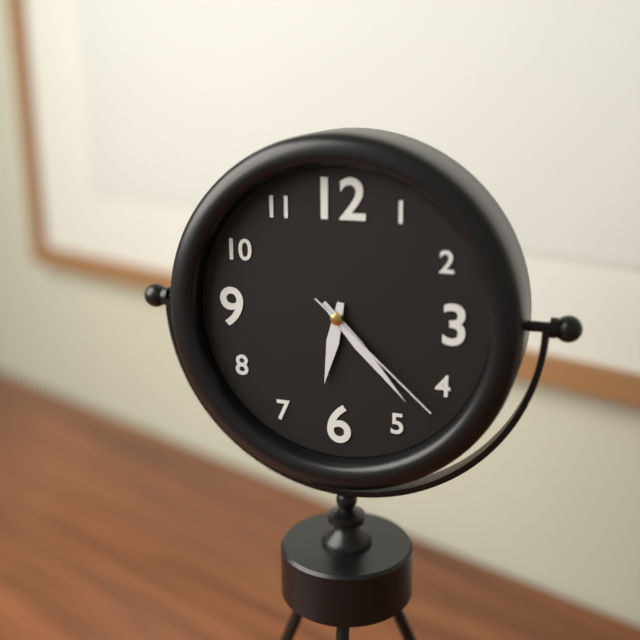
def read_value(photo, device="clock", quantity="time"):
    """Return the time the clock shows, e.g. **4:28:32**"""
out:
**6:23:22**
